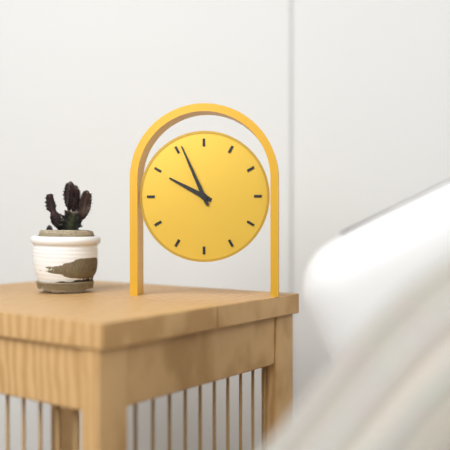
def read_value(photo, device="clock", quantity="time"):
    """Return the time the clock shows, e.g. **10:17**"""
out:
**9:56**
